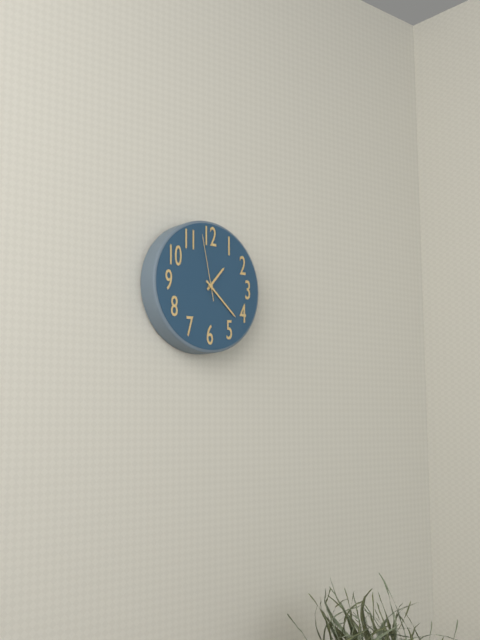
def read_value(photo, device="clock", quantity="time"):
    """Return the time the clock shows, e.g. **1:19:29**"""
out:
**1:22:58**
